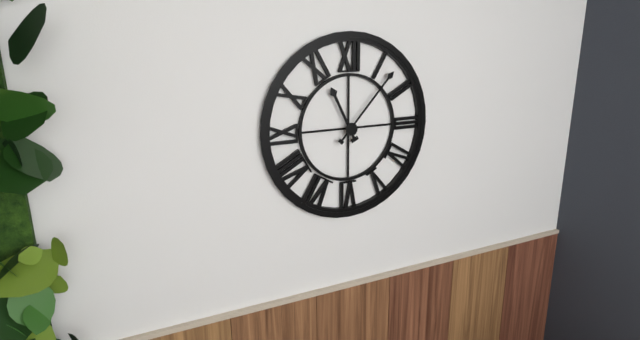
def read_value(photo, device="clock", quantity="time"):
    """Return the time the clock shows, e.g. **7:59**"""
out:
**11:07**
